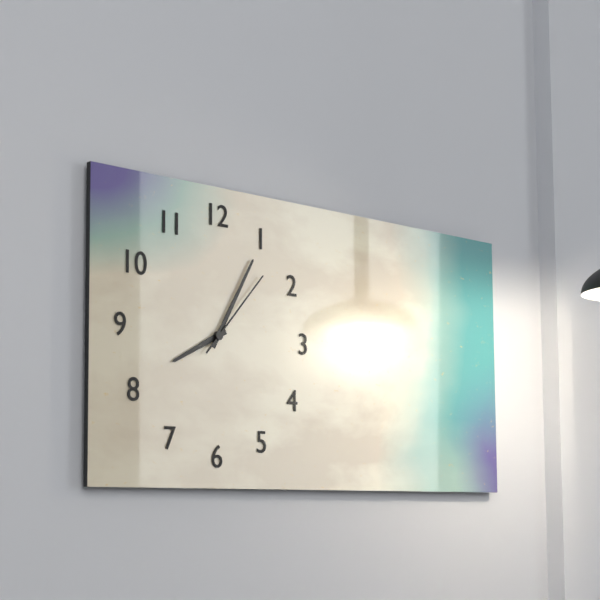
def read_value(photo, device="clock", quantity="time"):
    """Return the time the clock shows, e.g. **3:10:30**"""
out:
**8:05:07**
